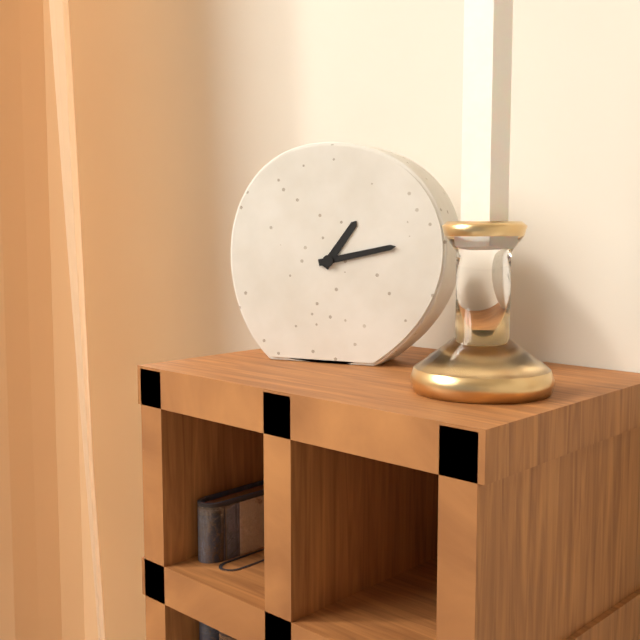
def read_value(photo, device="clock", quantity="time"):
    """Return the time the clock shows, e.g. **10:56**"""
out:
**1:13**
